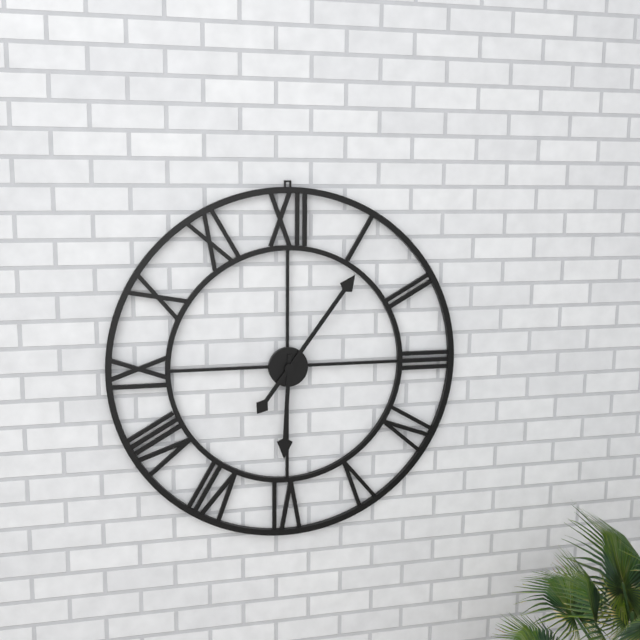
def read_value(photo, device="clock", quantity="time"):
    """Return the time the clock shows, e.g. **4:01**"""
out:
**6:06**
